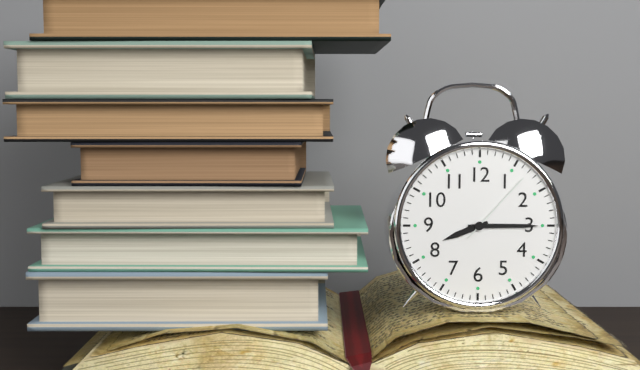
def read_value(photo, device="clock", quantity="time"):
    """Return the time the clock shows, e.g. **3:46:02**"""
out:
**8:15:07**
